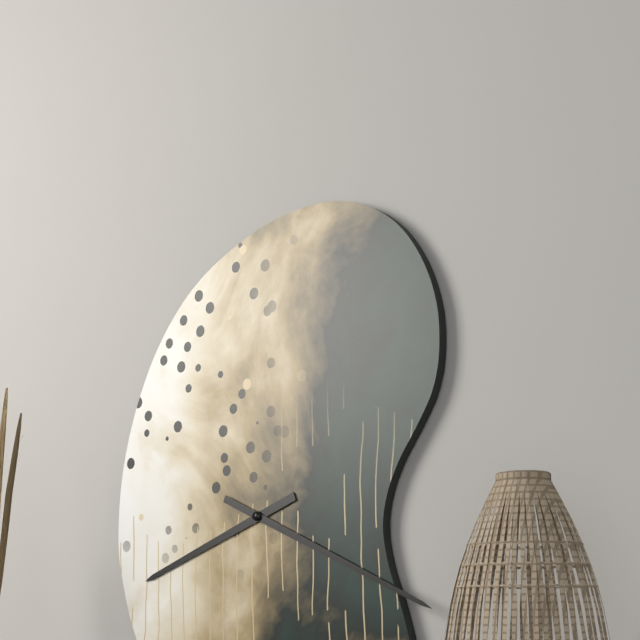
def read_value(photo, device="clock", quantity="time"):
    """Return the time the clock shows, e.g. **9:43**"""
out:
**8:19**
